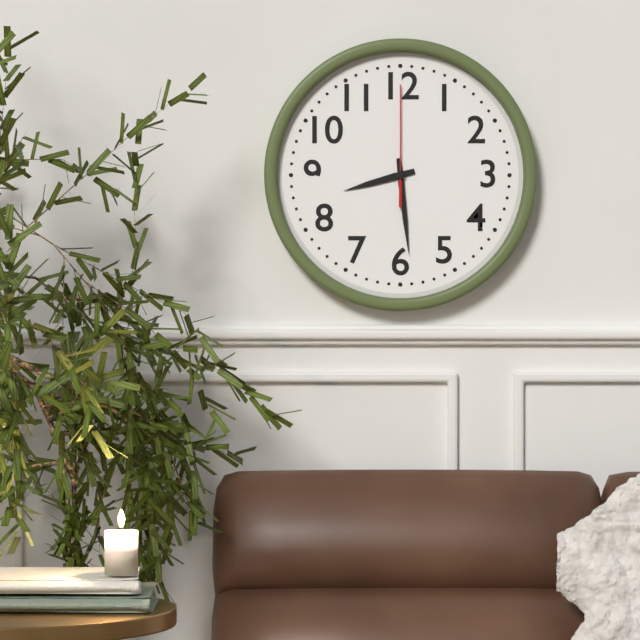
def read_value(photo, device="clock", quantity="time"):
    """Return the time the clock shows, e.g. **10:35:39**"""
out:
**8:29:00**
